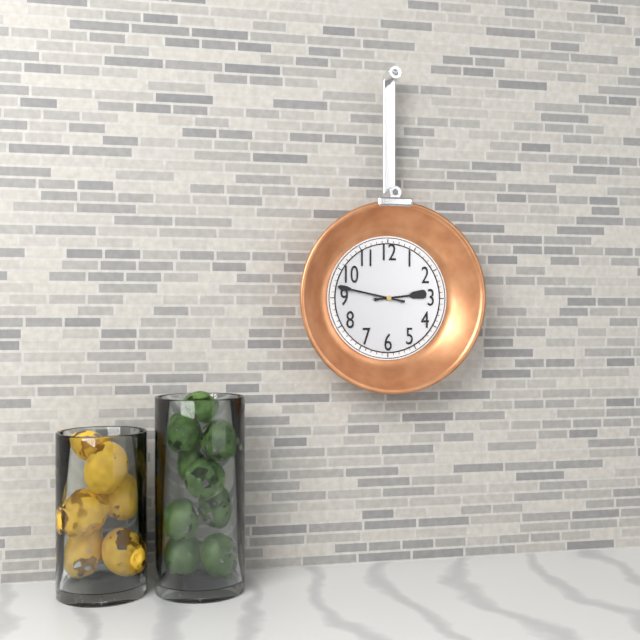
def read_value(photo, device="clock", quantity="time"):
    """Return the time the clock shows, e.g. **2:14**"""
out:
**2:47**
